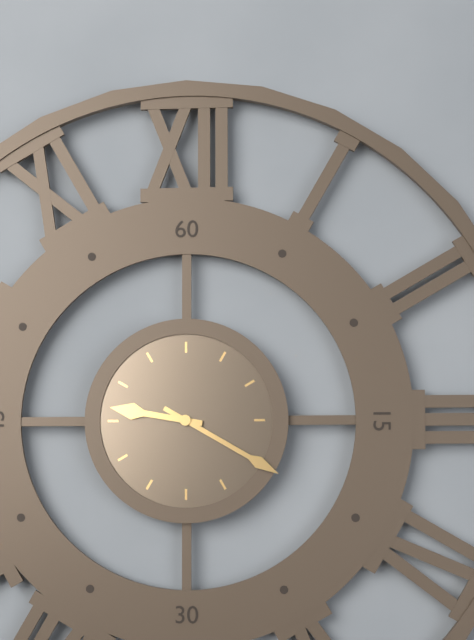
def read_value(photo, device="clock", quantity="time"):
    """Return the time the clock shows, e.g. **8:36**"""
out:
**9:20**
